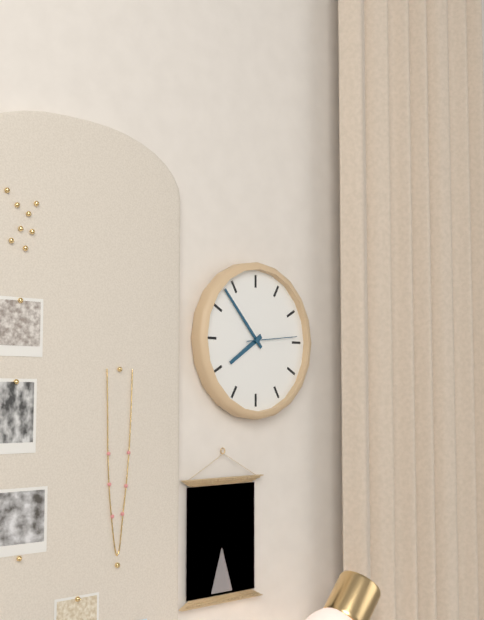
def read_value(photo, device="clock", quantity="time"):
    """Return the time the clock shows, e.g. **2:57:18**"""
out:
**7:53:14**
